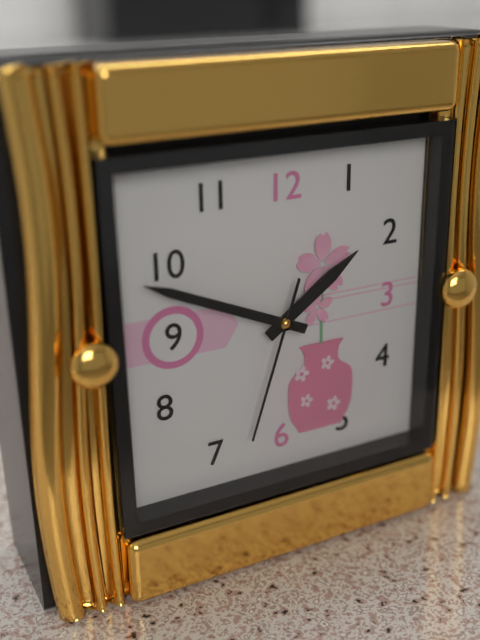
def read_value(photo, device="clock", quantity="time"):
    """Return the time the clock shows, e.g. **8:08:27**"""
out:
**1:49:33**
